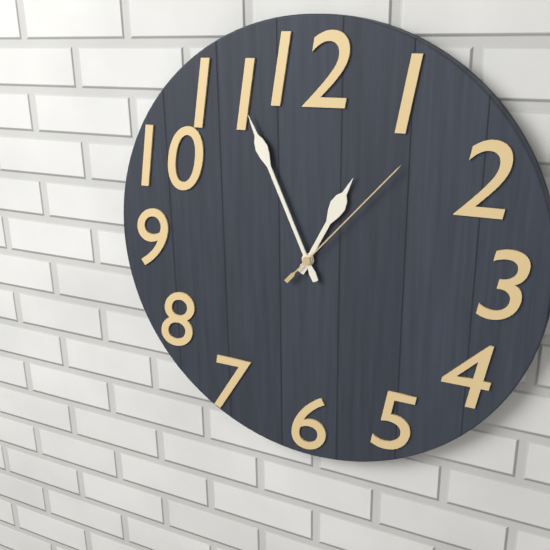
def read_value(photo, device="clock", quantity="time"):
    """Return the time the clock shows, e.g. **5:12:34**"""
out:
**12:56:07**
